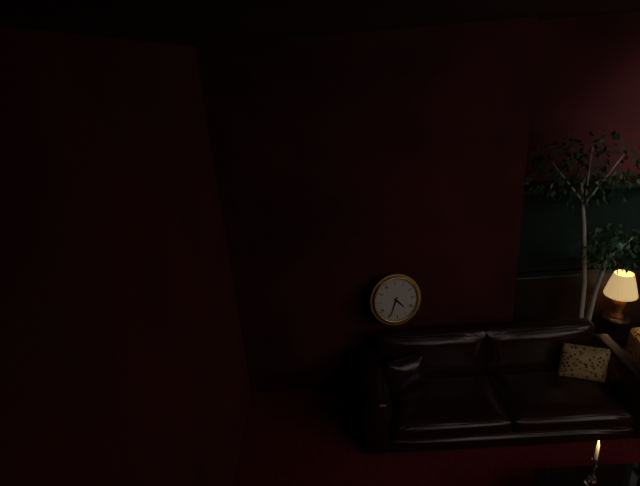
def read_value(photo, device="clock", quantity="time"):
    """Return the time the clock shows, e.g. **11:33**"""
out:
**4:34**
